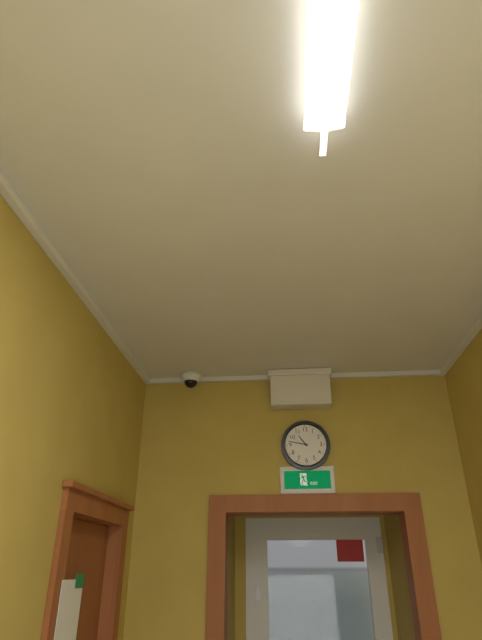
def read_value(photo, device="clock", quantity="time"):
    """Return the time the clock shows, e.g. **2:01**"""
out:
**10:47**
